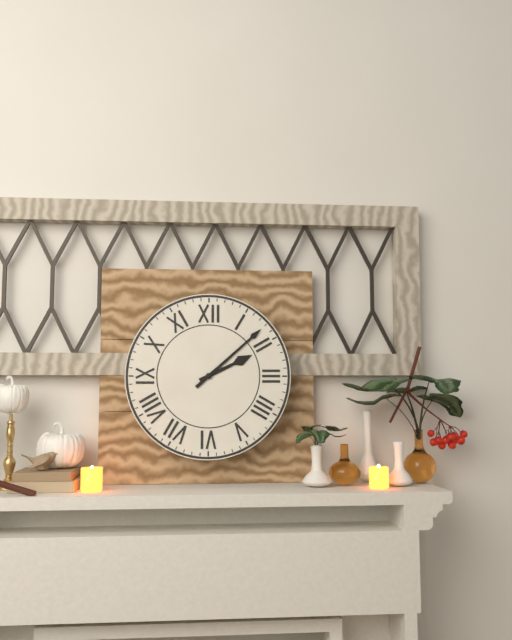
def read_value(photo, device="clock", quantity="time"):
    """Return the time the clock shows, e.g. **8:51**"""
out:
**2:08**
